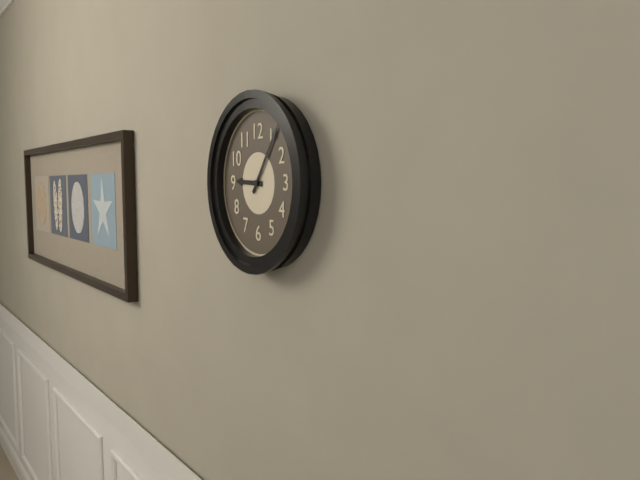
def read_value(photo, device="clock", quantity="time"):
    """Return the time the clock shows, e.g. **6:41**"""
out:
**9:06**
